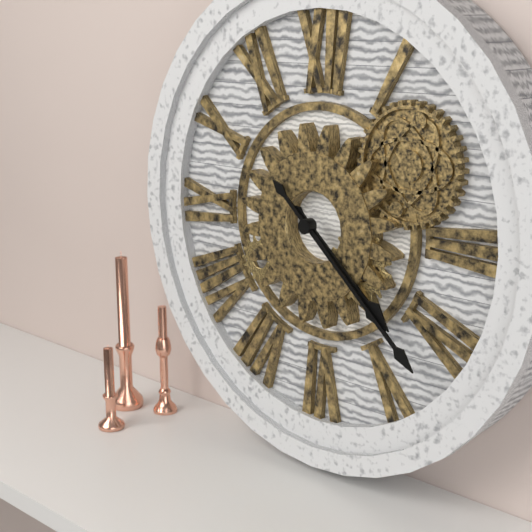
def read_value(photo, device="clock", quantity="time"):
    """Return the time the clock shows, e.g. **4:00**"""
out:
**4:22**
